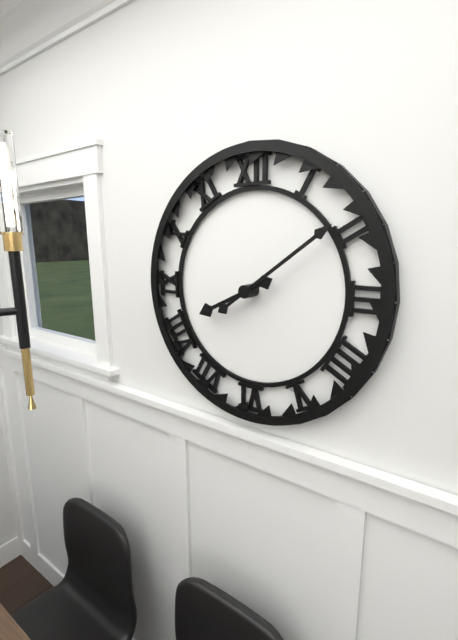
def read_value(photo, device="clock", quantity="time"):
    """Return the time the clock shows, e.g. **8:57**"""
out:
**8:09**
